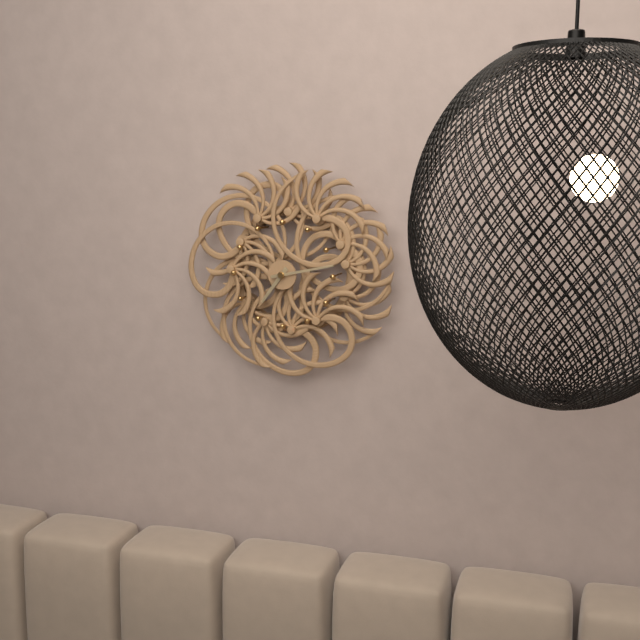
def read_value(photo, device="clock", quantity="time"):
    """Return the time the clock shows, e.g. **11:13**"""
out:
**7:13**
